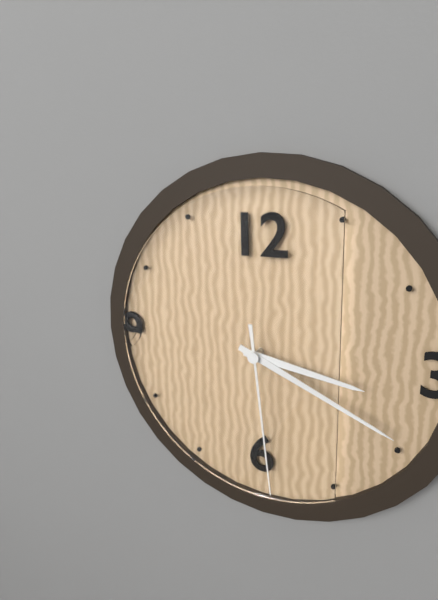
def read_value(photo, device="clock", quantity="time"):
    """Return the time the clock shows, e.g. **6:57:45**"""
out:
**3:19:29**
